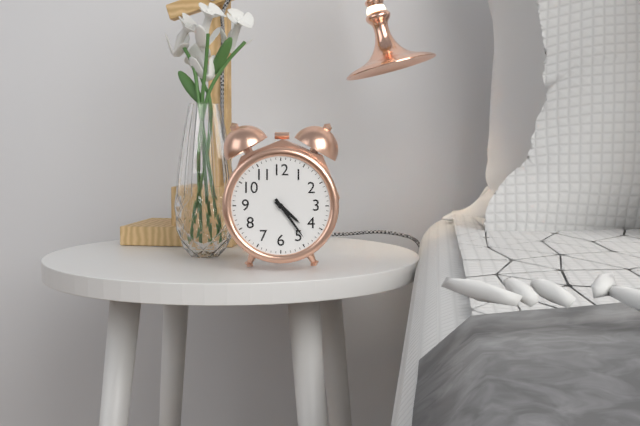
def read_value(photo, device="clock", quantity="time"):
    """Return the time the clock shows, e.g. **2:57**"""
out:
**4:24**
